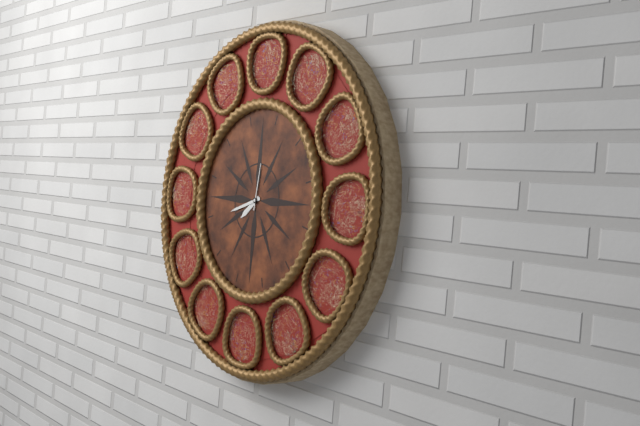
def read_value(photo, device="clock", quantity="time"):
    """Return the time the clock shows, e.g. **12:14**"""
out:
**7:42**
